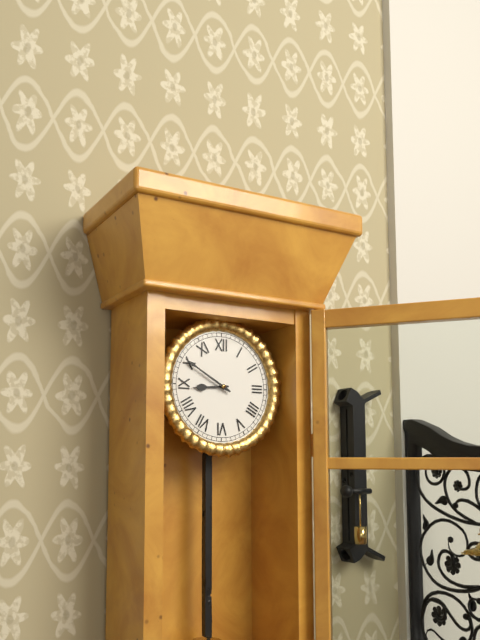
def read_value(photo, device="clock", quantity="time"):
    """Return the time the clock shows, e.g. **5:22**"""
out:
**8:50**
